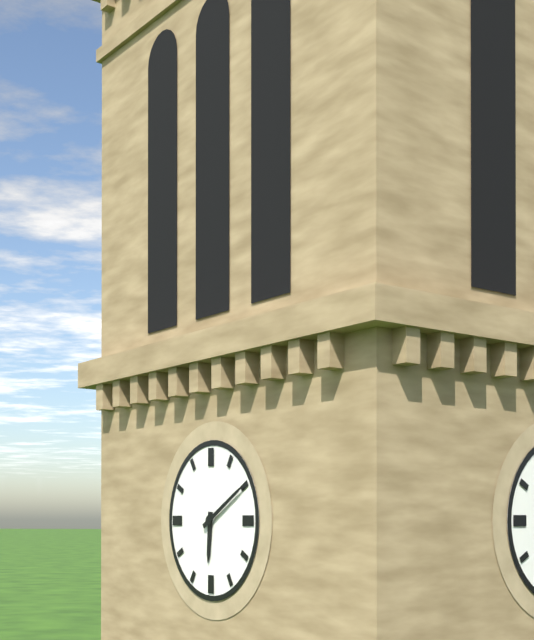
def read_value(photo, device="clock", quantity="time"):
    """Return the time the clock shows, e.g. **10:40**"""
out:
**6:10**
